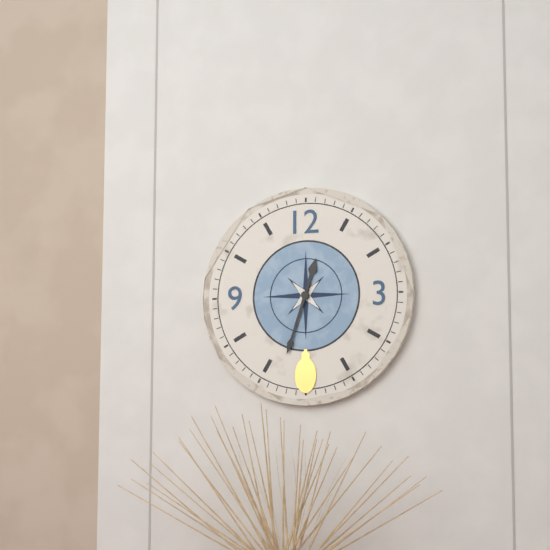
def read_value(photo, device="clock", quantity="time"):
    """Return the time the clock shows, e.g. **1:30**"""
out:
**12:33**
